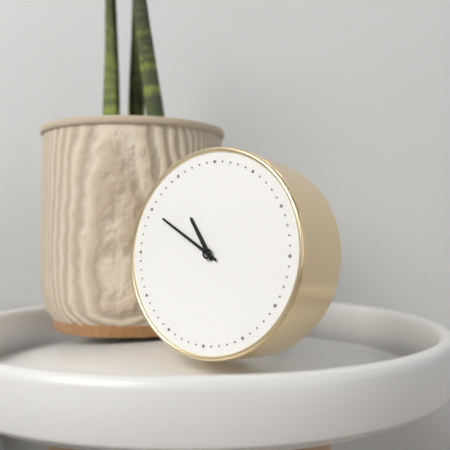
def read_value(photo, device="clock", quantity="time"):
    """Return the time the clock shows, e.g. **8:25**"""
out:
**10:50**
